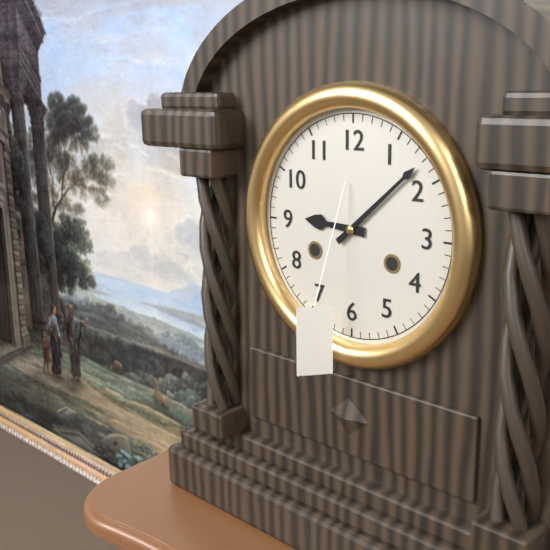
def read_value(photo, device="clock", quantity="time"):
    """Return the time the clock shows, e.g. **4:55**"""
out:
**9:08**
